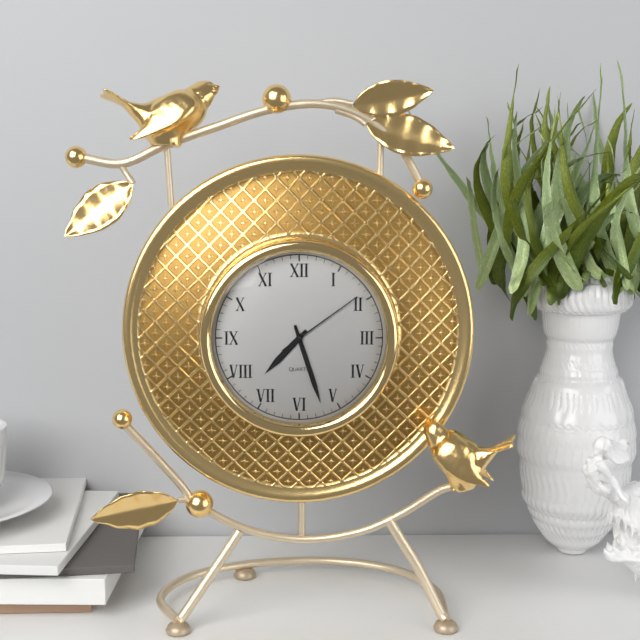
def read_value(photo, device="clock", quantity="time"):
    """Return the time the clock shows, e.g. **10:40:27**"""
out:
**7:27:09**
